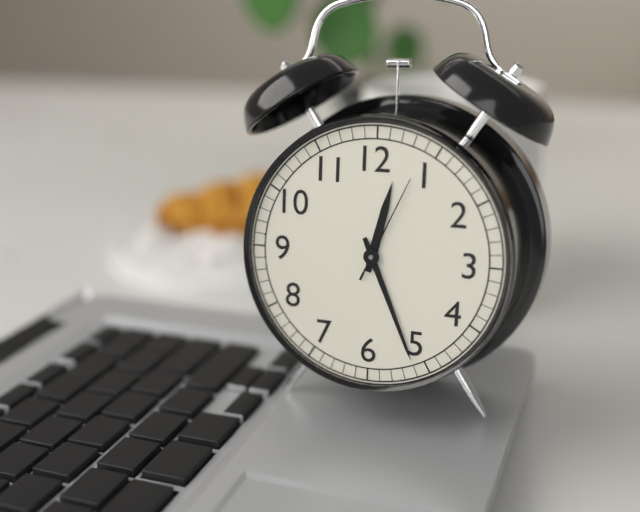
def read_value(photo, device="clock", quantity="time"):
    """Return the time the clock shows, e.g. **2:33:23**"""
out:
**12:26:04**
